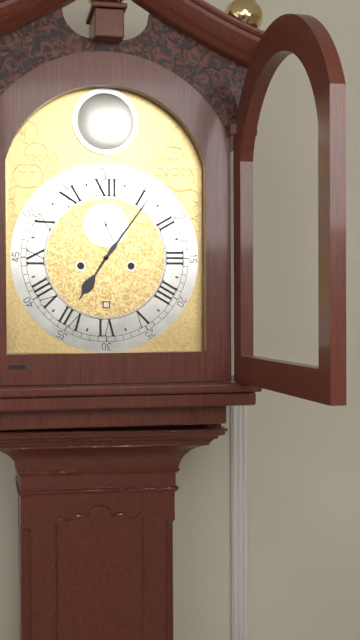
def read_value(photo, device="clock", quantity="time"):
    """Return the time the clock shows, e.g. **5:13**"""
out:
**7:06**
